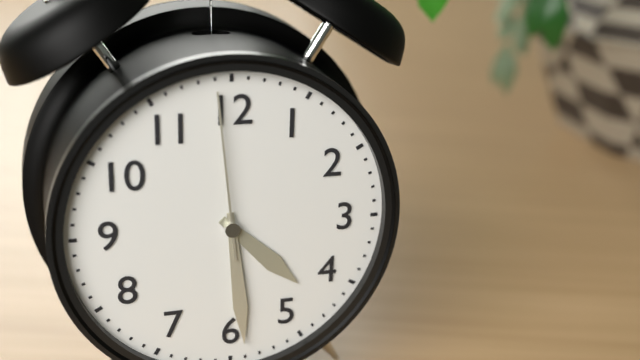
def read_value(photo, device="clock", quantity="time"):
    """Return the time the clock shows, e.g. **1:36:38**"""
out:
**4:29:59**
